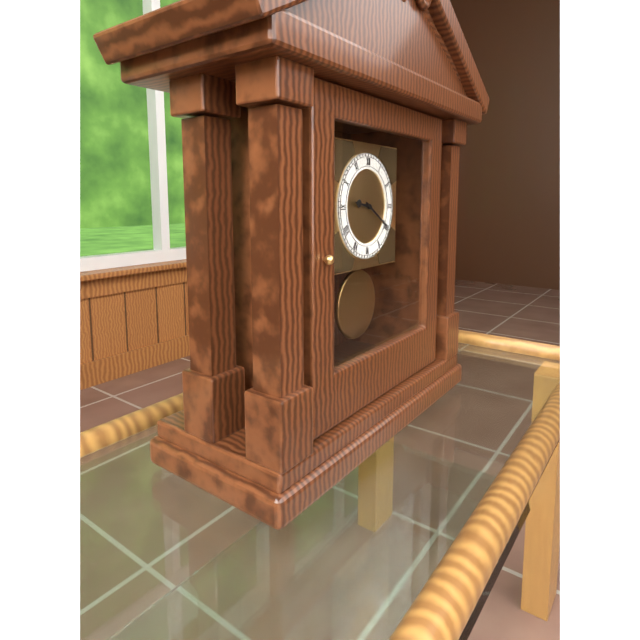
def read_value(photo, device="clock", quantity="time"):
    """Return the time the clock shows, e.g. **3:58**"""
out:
**9:20**
